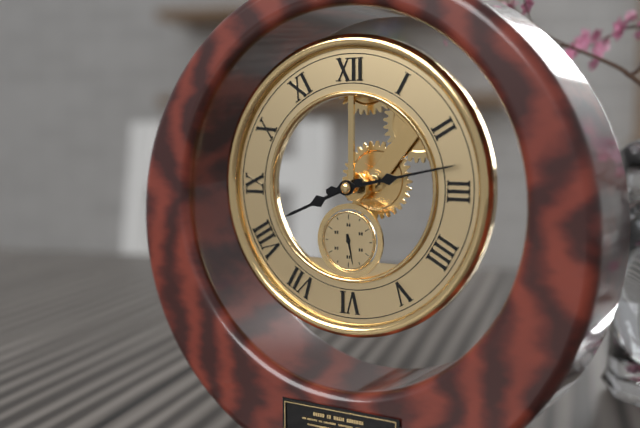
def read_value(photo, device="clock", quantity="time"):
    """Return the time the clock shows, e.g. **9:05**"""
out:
**8:13**
